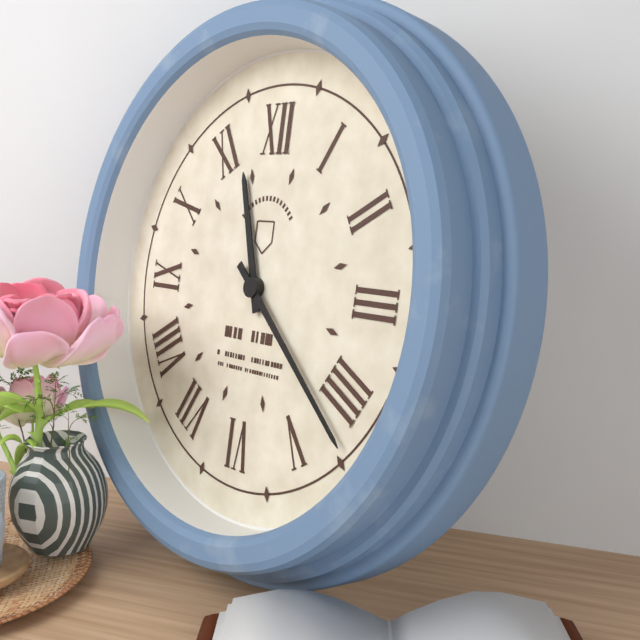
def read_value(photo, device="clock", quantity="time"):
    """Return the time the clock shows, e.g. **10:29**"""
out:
**11:22**
